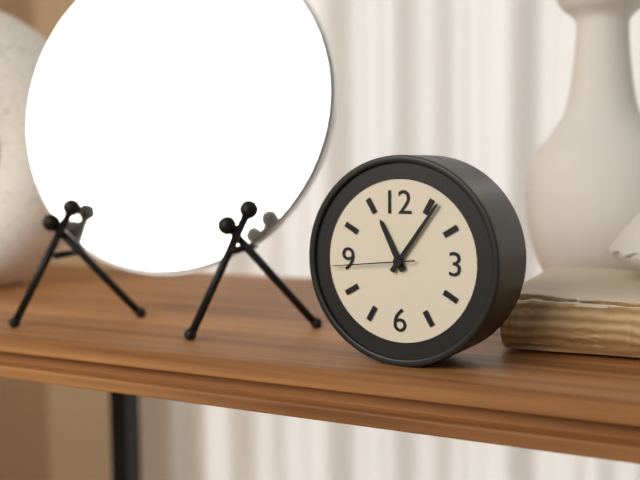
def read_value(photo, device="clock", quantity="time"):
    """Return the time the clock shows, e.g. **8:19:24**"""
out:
**11:06:44**
